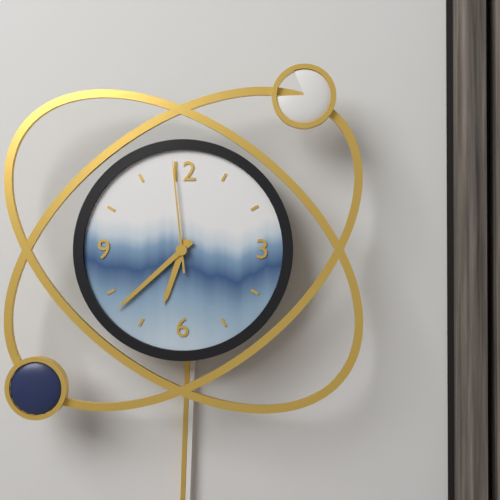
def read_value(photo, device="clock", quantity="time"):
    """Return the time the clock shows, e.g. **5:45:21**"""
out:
**6:38:59**
